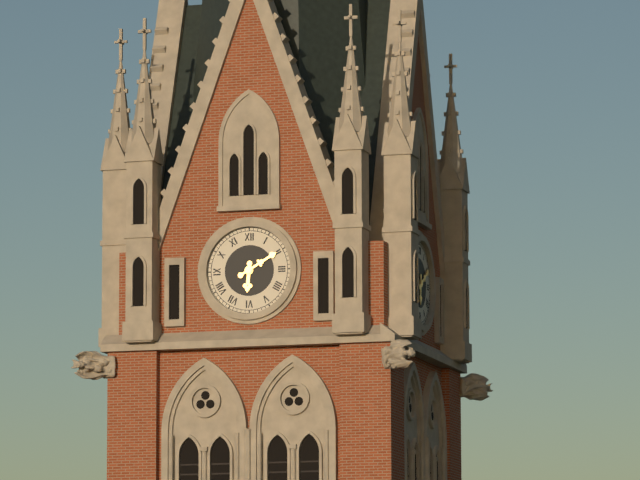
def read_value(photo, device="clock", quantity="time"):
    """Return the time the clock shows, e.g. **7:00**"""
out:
**6:10**
